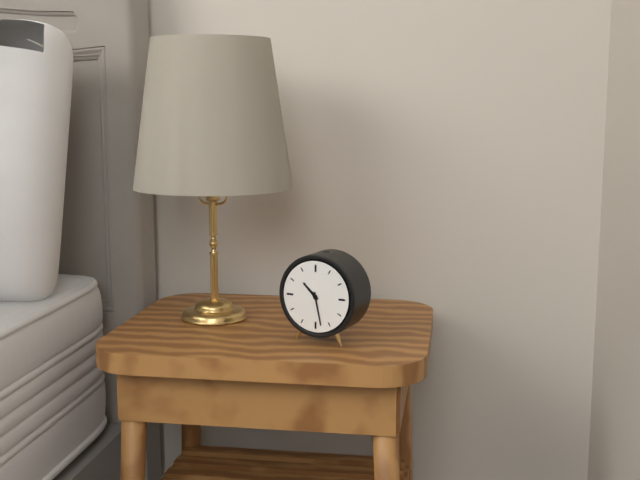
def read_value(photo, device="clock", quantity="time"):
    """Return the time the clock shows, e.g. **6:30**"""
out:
**10:28**
